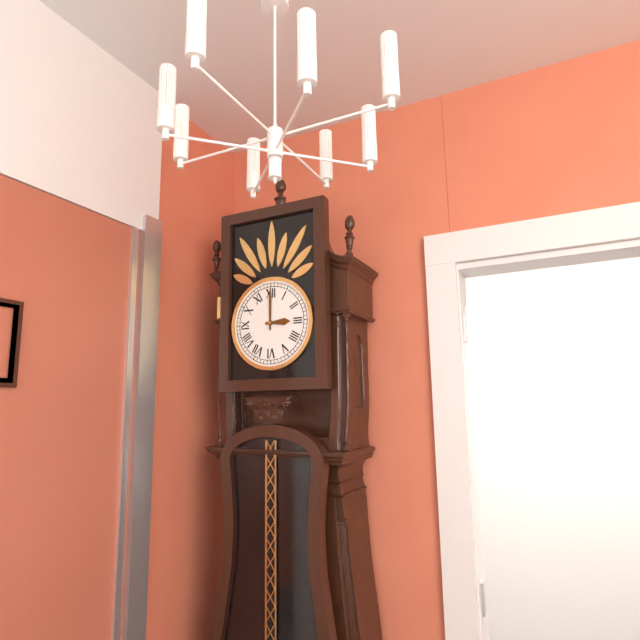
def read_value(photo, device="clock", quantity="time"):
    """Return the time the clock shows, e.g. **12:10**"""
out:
**3:00**
